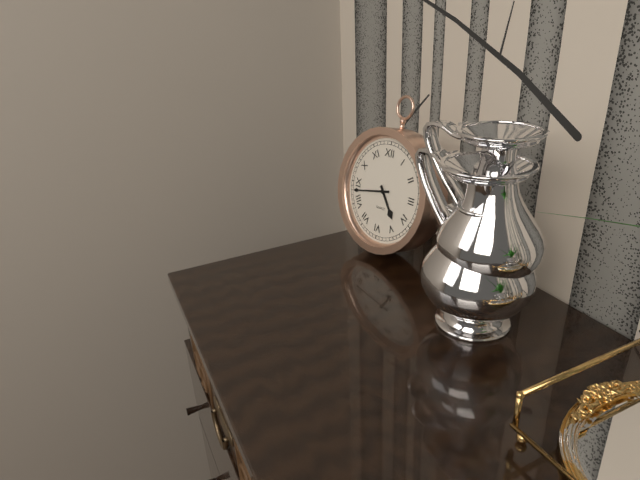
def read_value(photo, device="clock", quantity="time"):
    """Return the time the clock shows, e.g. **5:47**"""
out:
**4:43**
